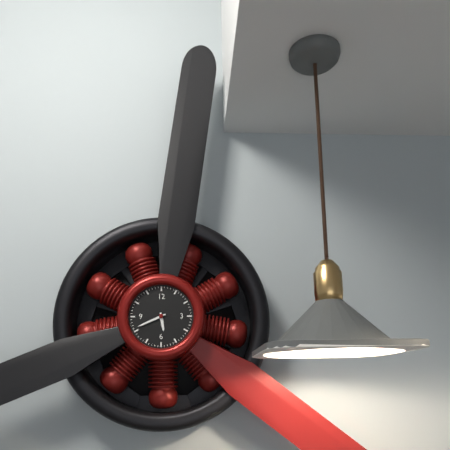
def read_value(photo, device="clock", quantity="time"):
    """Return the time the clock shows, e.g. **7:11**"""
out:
**5:41**
